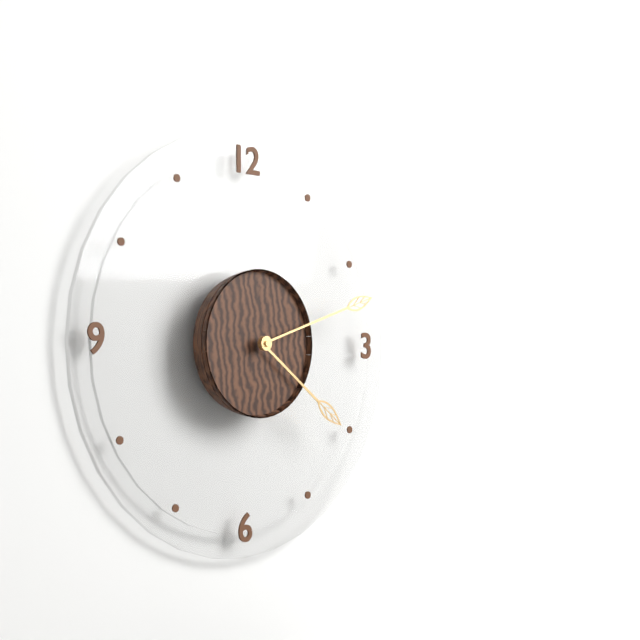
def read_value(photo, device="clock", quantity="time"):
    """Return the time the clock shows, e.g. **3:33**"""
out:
**4:12**
